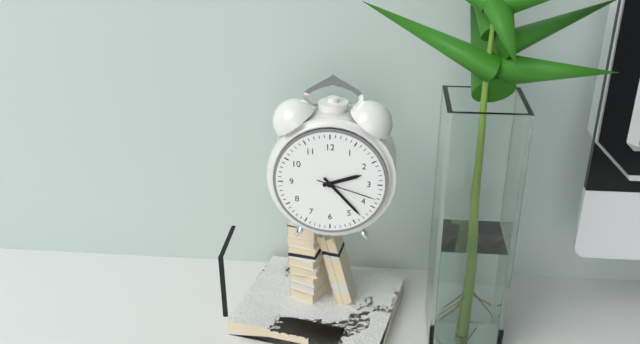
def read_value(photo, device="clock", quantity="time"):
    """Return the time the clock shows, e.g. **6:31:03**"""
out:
**2:23:18**
